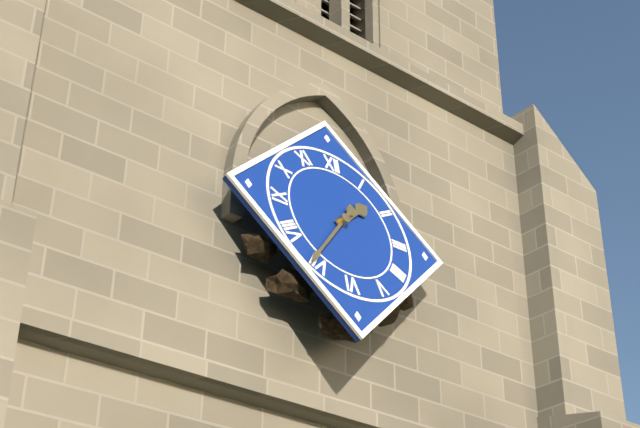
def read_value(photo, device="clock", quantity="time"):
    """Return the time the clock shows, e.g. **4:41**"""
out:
**1:36**
